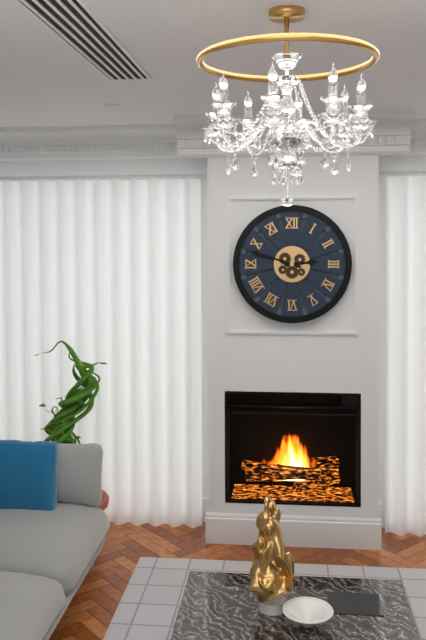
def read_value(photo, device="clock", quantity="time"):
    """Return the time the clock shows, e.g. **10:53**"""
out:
**2:48**
